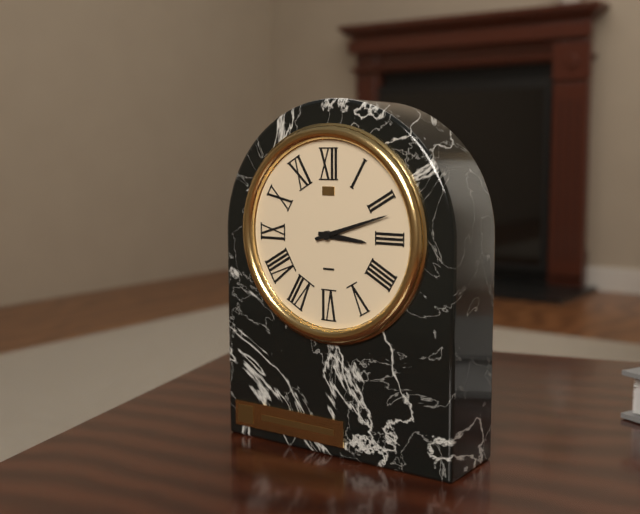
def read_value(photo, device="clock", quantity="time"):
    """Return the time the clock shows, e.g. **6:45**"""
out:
**3:12**
